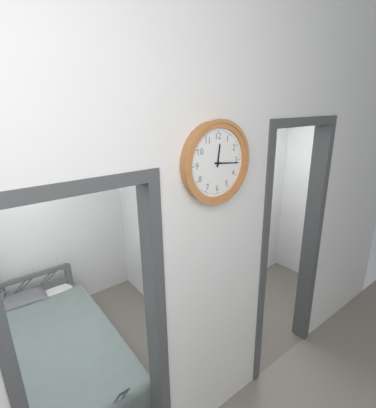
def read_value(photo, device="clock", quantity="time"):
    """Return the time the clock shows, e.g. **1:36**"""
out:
**12:16**
